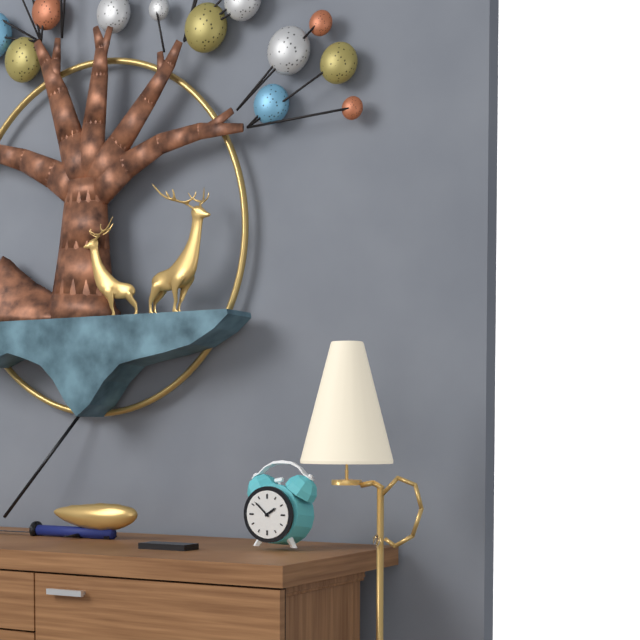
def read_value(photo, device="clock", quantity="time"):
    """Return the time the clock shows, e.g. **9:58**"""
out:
**1:52**
